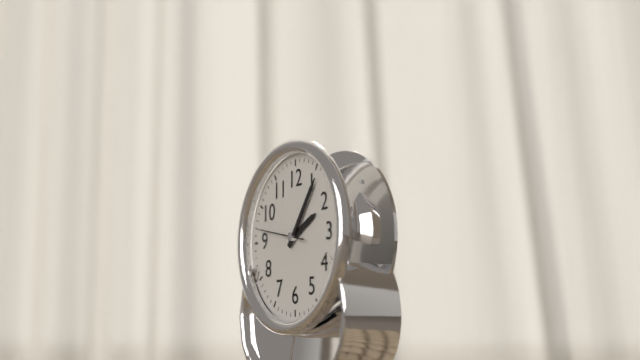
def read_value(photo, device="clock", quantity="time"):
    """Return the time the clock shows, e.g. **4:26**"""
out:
**2:06**
